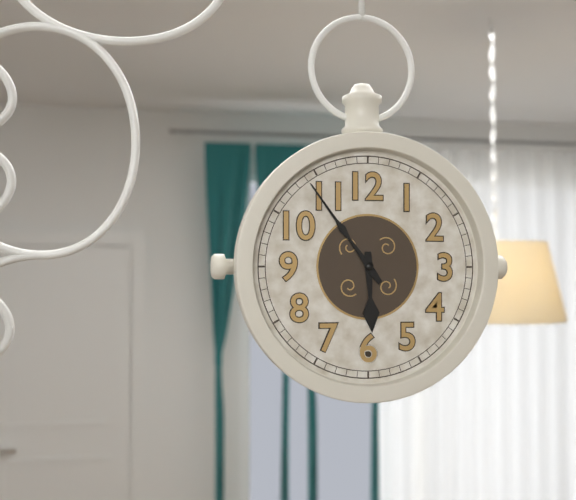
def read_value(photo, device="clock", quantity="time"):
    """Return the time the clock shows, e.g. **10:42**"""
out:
**5:54**
